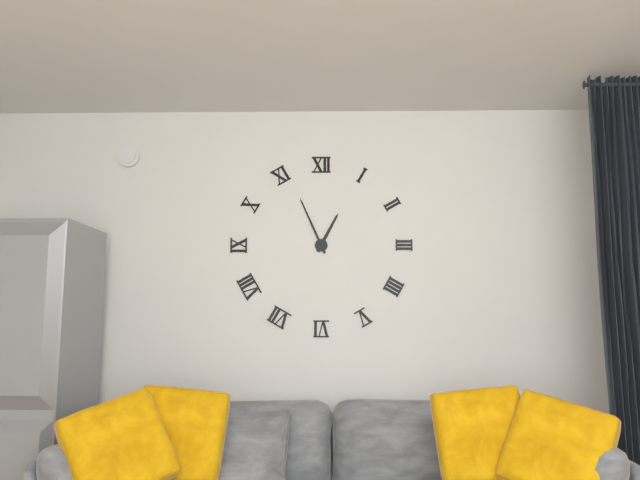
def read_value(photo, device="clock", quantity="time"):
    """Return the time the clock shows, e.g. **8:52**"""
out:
**12:56**
